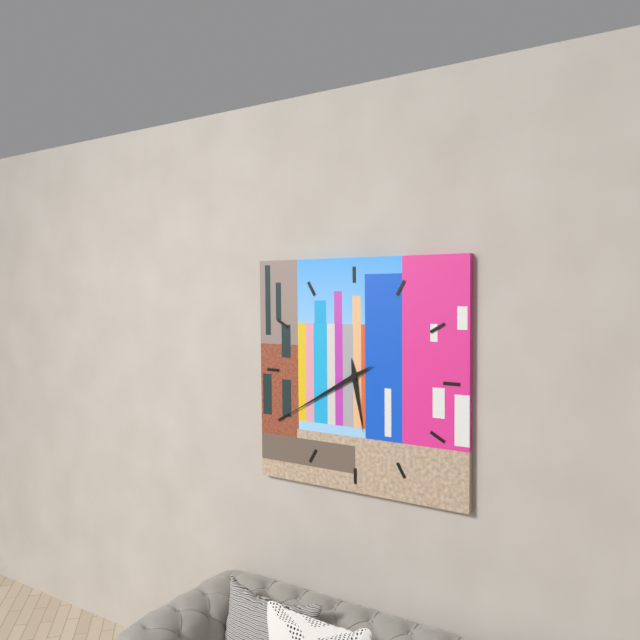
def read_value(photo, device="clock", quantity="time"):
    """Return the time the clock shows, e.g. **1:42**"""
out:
**5:40**
